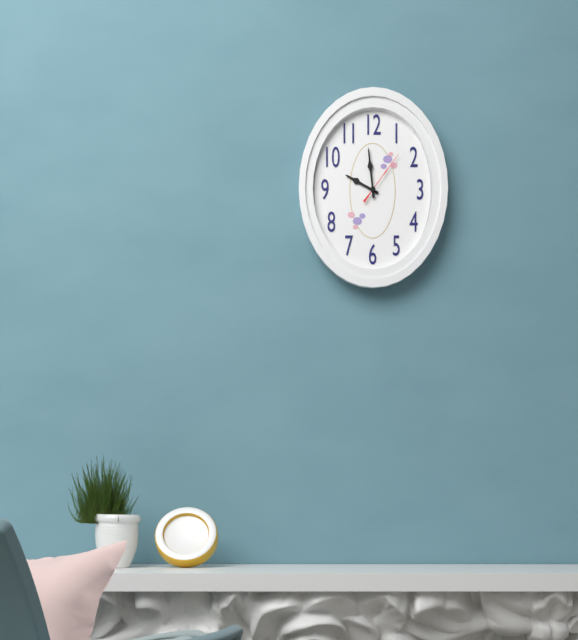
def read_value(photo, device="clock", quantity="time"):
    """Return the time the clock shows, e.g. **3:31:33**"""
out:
**9:59:06**
